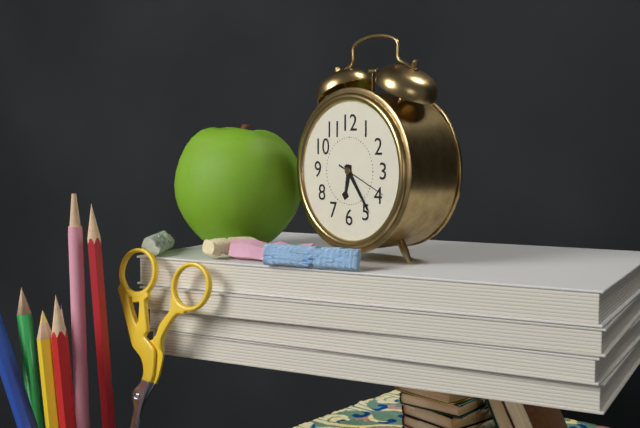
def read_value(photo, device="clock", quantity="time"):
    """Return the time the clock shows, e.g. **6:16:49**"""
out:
**6:24:19**
